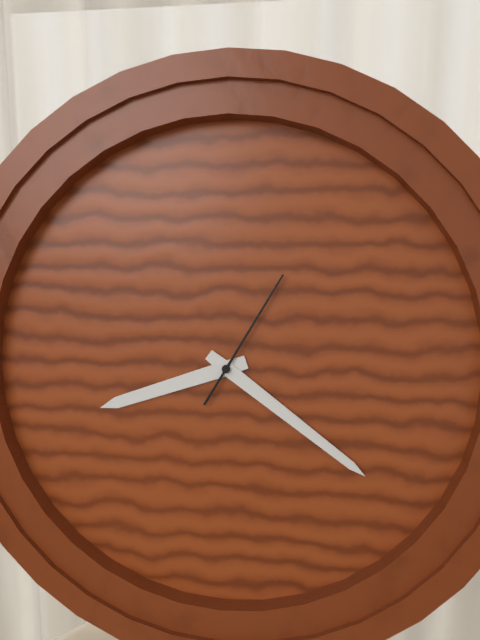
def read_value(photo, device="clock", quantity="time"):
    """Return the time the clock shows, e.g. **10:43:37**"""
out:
**8:21:05**
